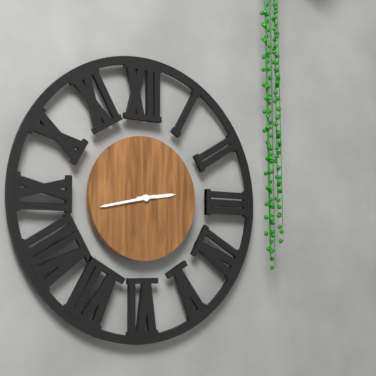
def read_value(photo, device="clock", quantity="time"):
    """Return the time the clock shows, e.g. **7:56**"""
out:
**2:43**
